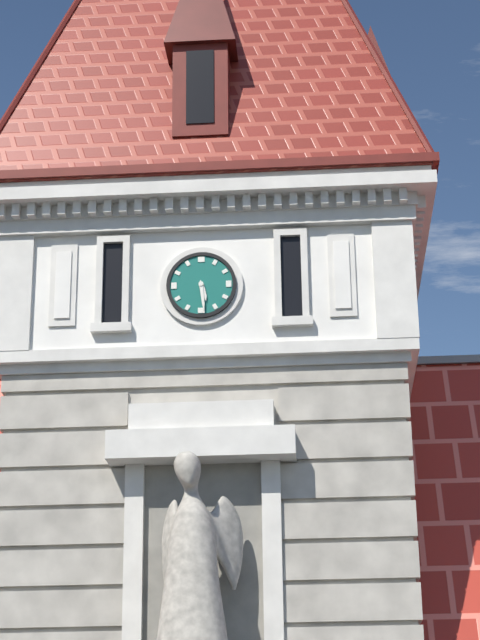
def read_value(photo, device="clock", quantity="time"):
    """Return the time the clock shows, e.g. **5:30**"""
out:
**5:29**
